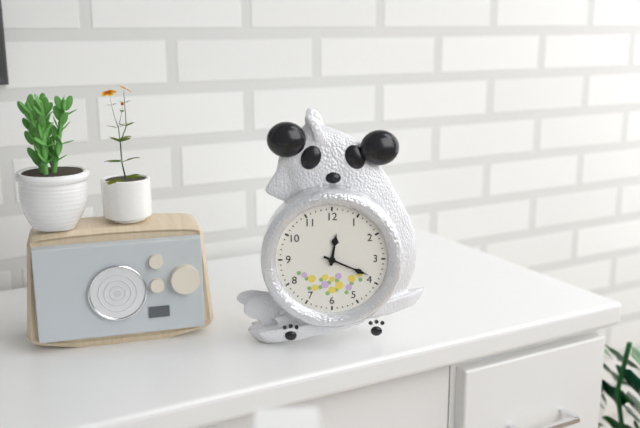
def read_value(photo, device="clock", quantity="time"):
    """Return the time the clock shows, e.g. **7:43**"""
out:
**12:19**
